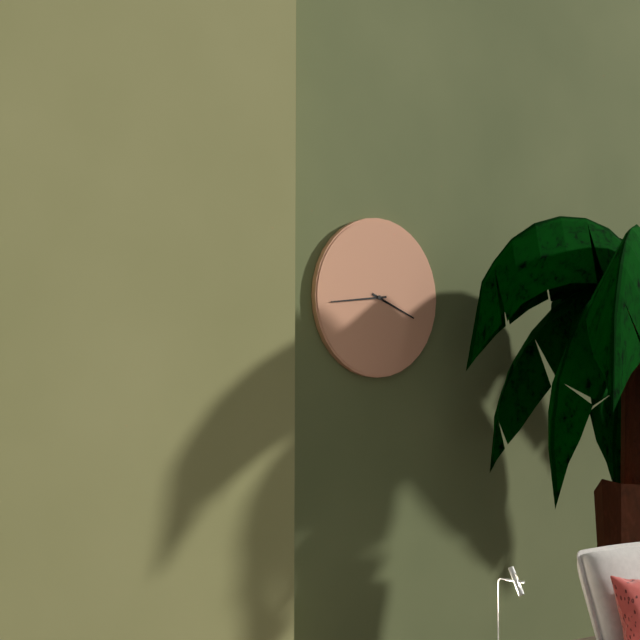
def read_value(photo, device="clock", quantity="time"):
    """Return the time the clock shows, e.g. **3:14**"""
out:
**3:44**
